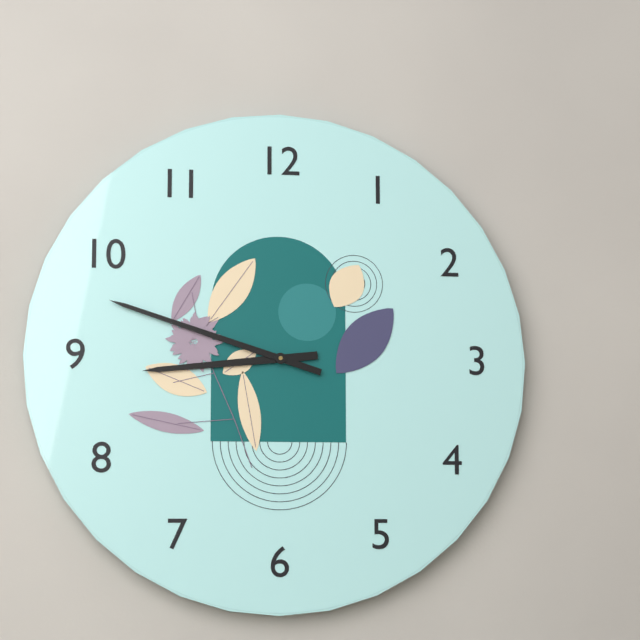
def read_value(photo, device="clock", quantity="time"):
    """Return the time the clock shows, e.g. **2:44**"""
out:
**8:48**
